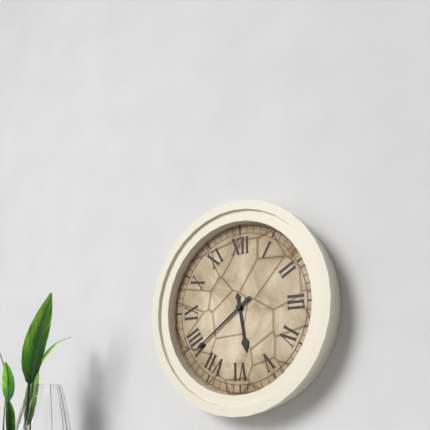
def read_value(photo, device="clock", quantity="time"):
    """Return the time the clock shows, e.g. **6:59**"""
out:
**5:39**
